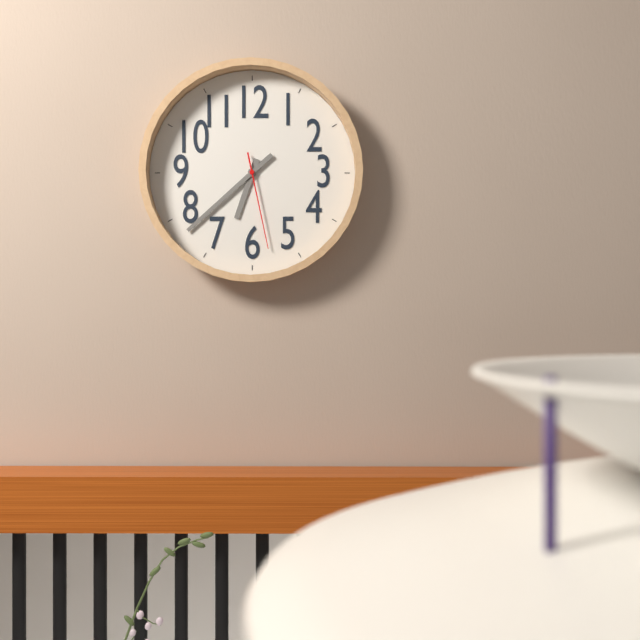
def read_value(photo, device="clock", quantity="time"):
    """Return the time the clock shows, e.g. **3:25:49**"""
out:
**6:38:28**
